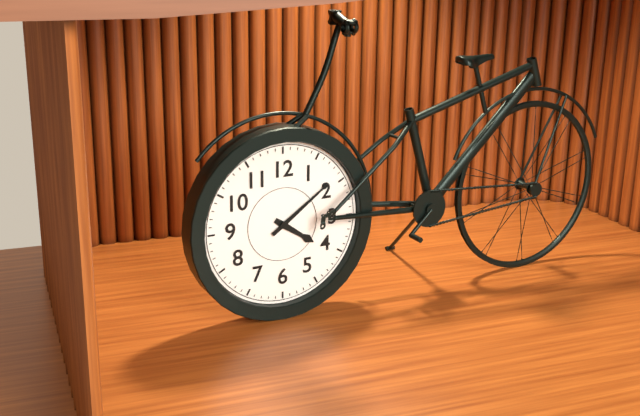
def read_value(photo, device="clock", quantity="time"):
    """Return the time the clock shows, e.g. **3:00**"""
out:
**4:09**
